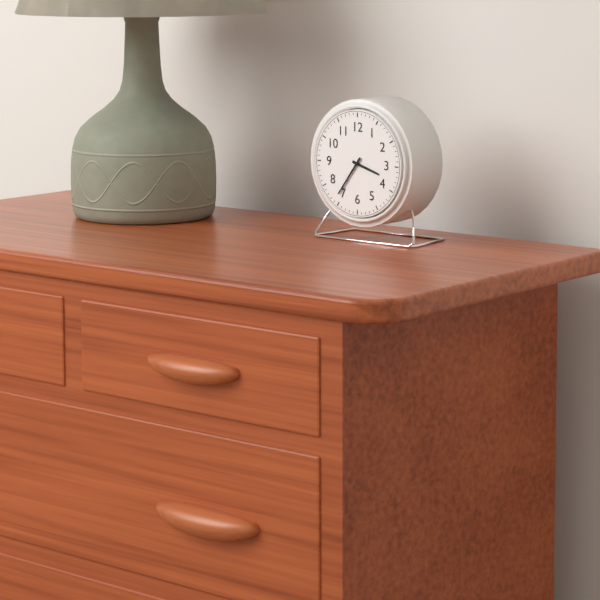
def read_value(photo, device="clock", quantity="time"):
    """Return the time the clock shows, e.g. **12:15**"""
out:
**3:36**
